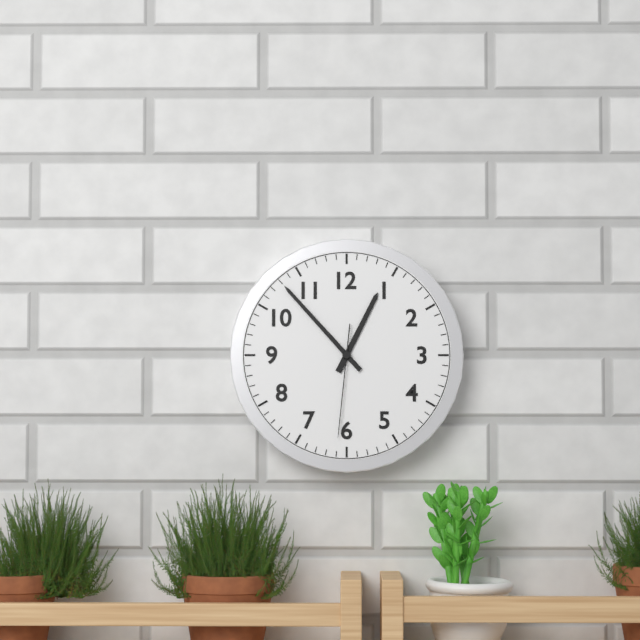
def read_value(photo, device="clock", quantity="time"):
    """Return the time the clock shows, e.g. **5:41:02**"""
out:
**12:53:31**
